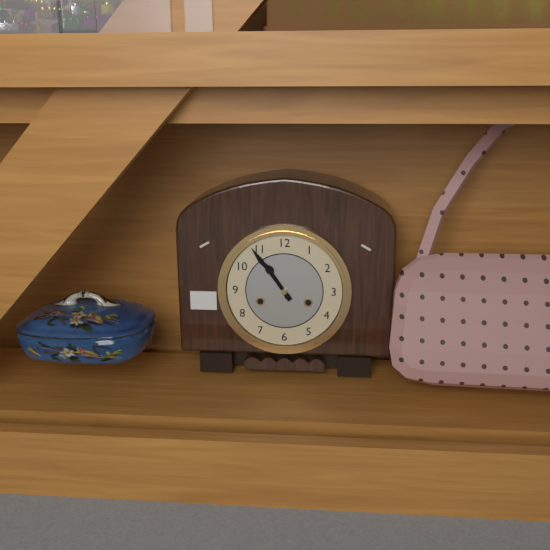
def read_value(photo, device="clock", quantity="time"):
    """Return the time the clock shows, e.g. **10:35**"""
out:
**10:54**
